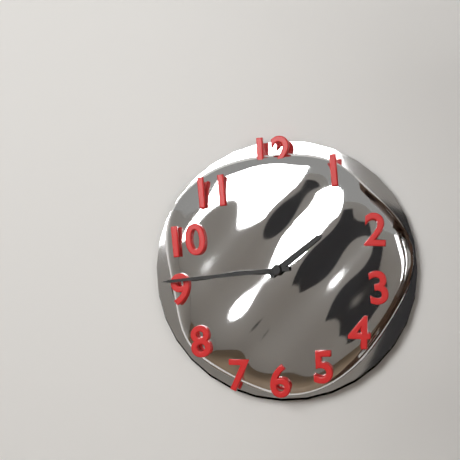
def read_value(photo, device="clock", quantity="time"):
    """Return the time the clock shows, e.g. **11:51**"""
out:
**1:44**
